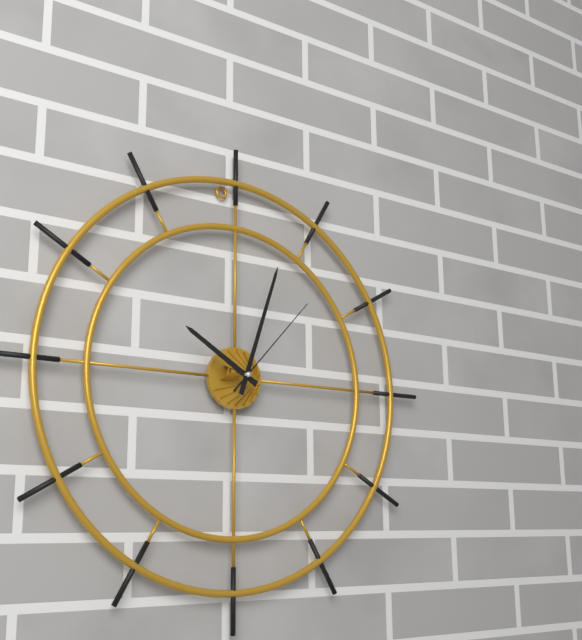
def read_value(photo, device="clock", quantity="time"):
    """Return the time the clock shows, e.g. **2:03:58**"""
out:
**10:03:07**
